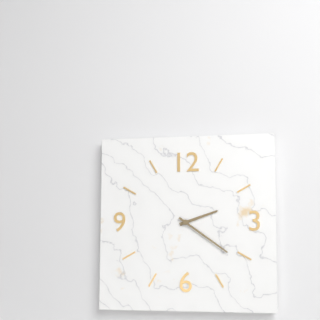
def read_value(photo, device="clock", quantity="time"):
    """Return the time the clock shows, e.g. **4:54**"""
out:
**2:21**
